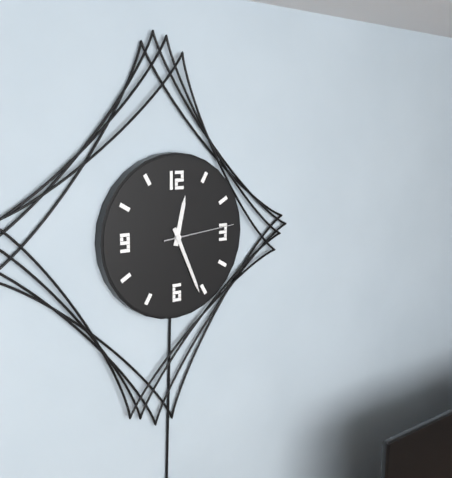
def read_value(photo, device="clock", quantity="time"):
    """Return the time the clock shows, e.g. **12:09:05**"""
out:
**12:26:14**
